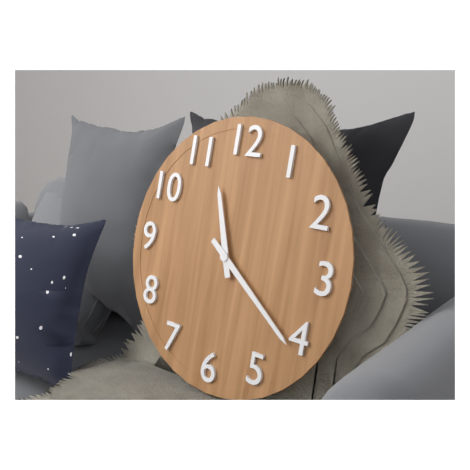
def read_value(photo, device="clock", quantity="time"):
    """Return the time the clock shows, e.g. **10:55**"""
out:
**11:21**
